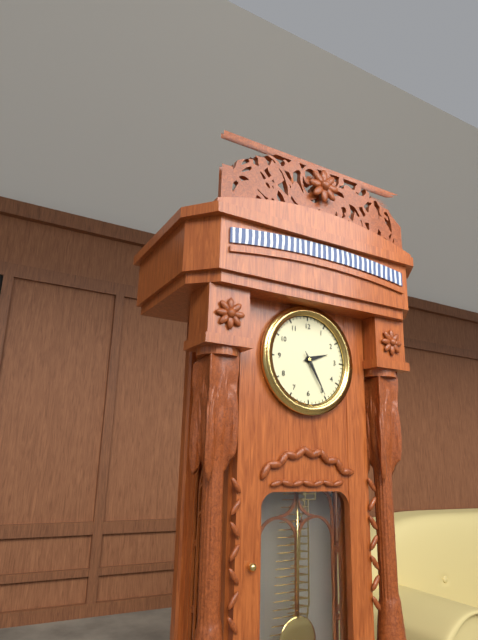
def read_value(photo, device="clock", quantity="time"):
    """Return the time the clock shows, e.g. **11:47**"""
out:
**2:25**
